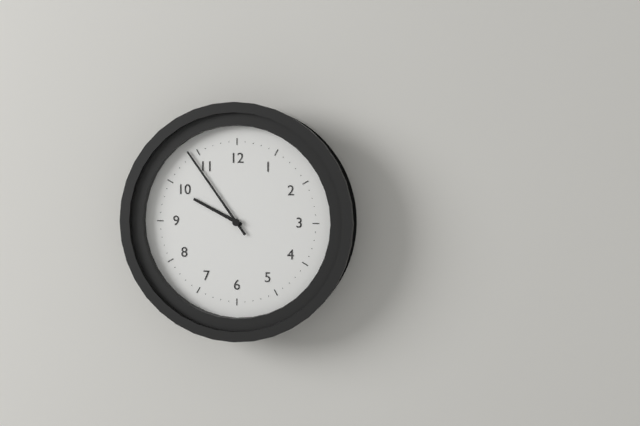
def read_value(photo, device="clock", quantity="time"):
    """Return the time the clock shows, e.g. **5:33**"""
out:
**9:54**
